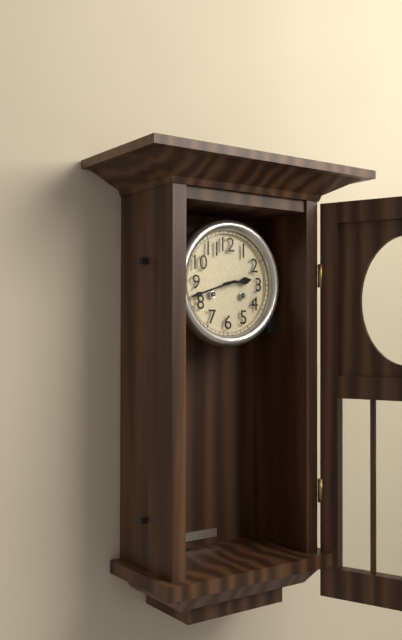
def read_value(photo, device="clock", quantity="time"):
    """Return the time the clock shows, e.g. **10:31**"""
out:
**2:42**
